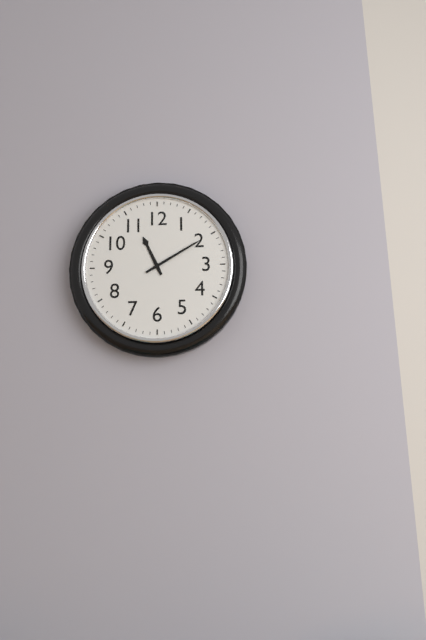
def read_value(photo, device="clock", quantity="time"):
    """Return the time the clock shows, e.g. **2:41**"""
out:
**11:10**
